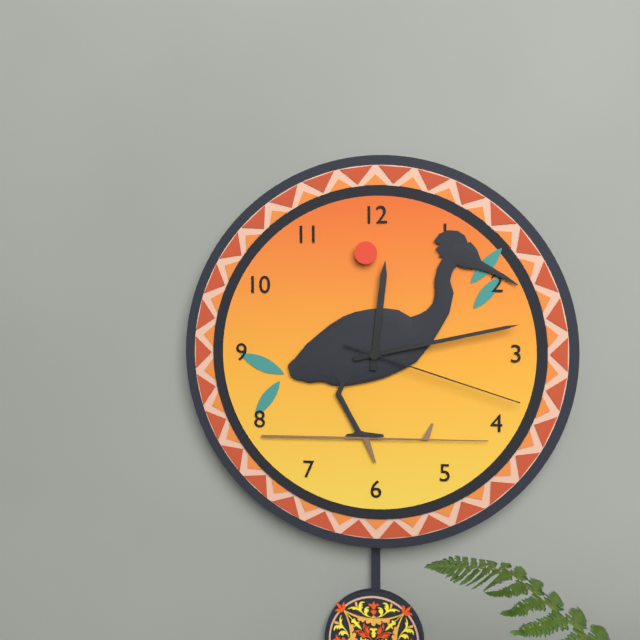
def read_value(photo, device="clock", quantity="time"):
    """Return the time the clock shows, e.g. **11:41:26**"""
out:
**12:13:18**
